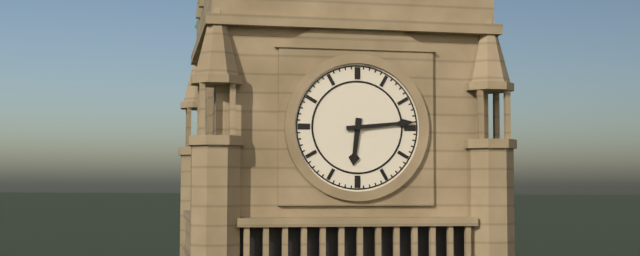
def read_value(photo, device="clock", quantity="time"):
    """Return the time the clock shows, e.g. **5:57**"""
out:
**6:14**
